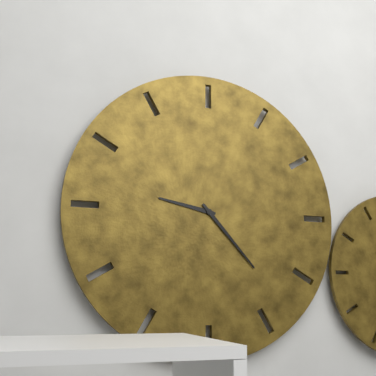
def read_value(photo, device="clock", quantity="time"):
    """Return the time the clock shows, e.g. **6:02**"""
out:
**9:23**
